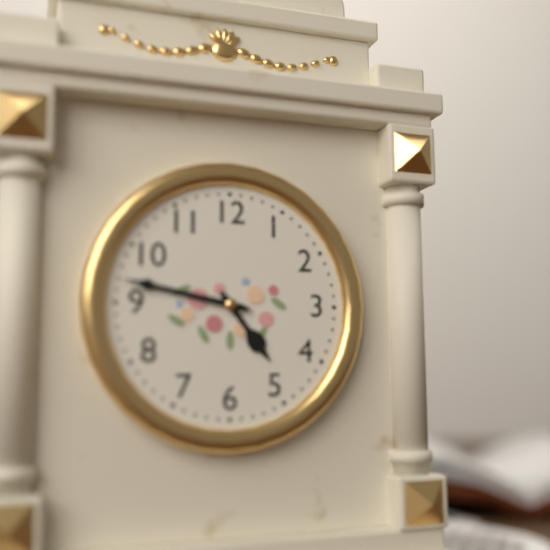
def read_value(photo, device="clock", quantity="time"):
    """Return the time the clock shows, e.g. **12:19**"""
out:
**4:47**
